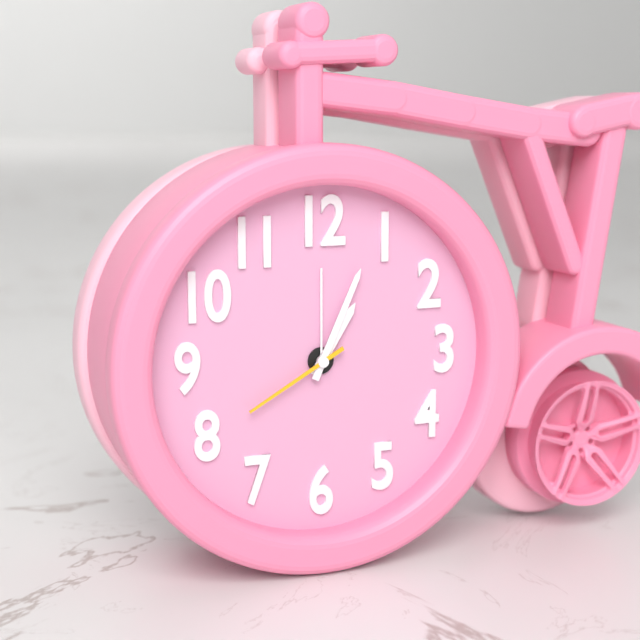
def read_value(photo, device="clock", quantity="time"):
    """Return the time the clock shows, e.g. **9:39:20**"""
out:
**1:04:40**
